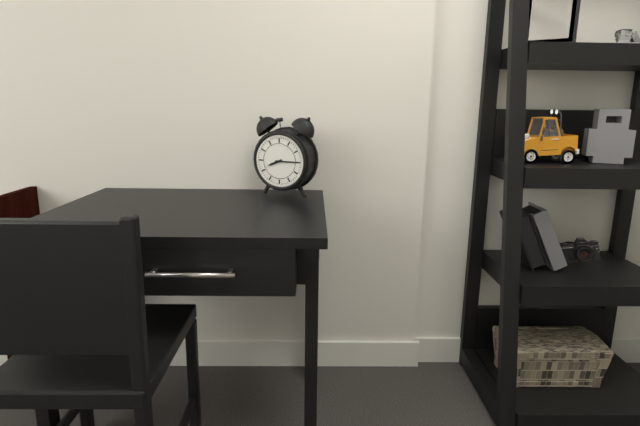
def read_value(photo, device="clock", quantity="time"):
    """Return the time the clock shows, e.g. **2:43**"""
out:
**8:15**
